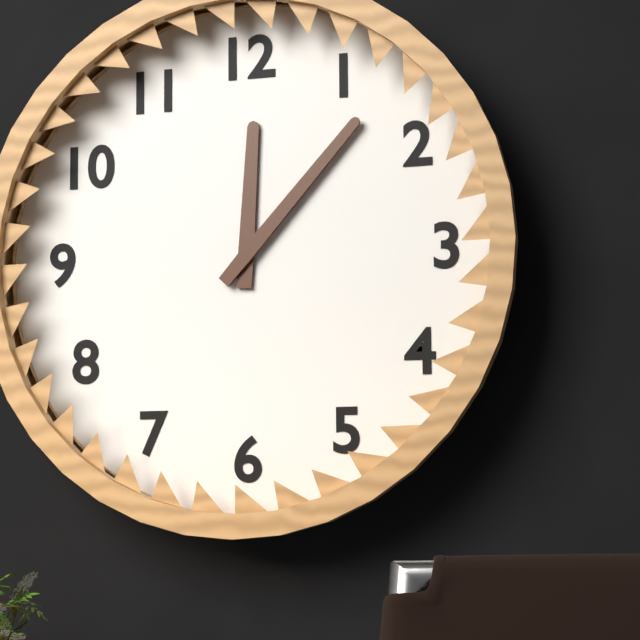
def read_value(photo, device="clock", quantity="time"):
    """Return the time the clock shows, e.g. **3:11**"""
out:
**12:07**
